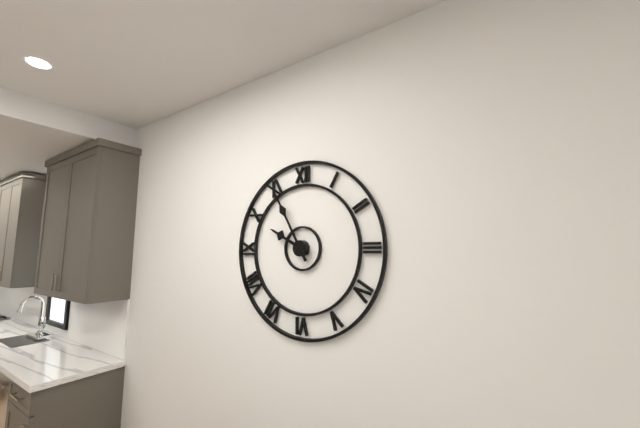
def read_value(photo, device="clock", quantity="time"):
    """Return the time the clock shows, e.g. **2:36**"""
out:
**9:55**
